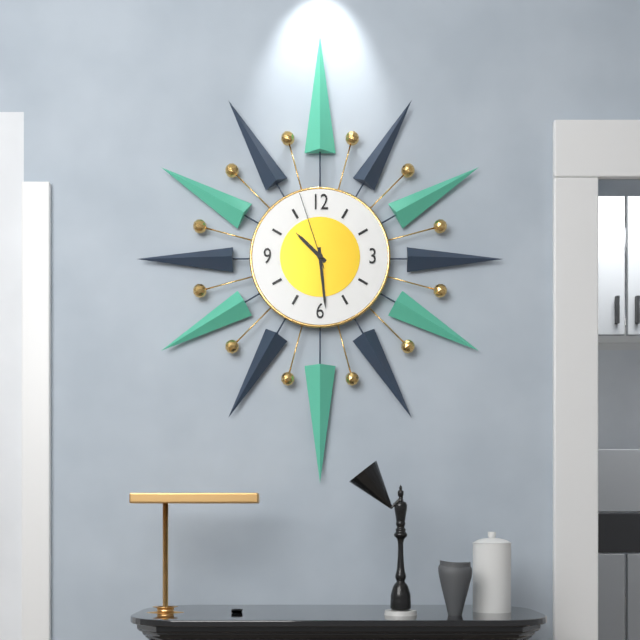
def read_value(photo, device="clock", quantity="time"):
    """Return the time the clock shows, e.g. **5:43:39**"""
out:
**10:29:57**
